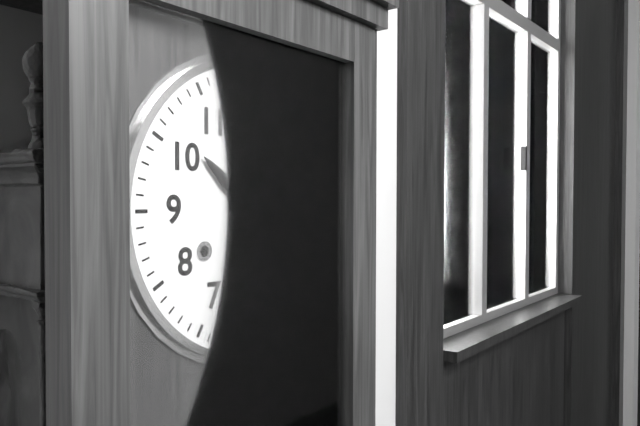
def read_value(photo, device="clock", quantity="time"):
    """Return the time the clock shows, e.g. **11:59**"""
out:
**10:17**
